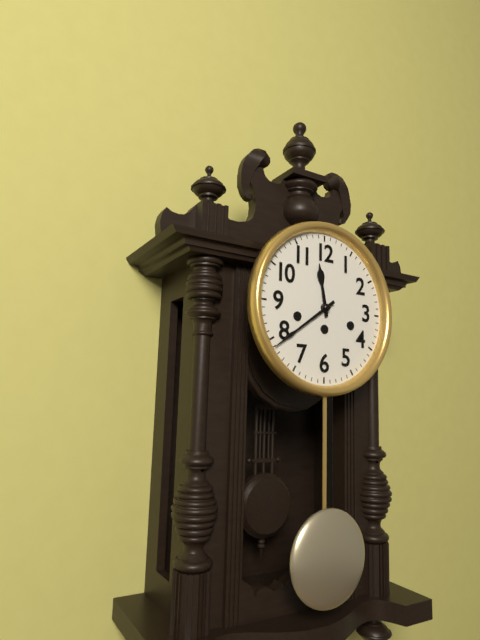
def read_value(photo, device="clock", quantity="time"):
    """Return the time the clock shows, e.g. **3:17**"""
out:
**11:39**
